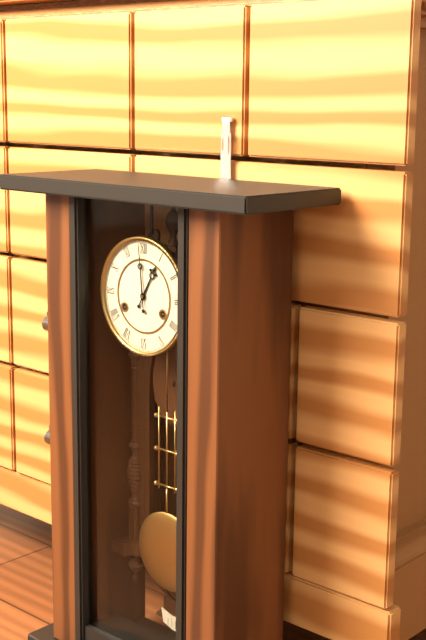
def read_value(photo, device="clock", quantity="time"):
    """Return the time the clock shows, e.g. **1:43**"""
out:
**12:59**
